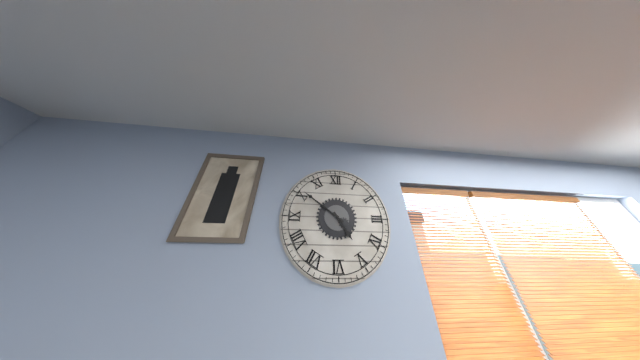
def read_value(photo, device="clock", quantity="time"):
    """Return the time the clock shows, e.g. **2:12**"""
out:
**4:51**
